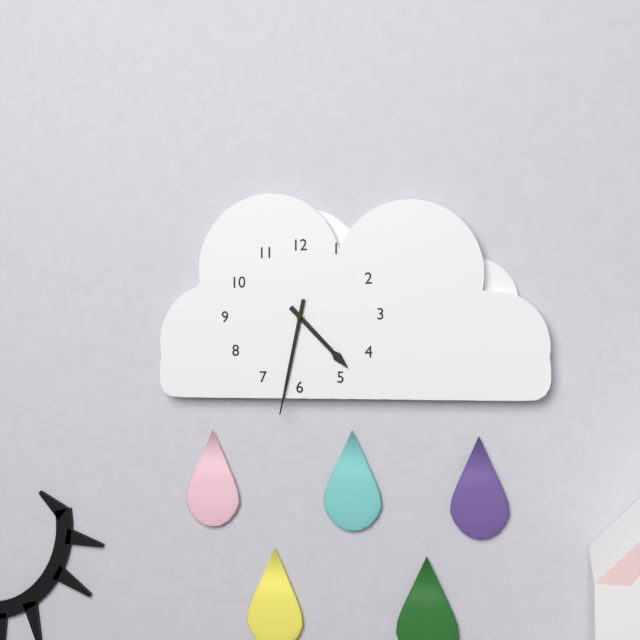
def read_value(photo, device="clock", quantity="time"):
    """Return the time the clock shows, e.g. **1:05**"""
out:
**4:32**
